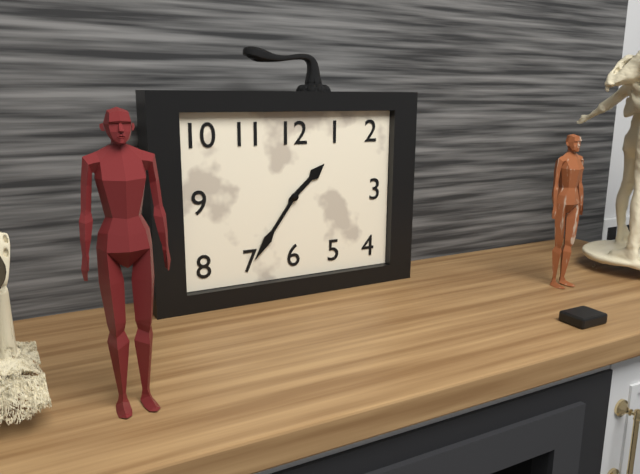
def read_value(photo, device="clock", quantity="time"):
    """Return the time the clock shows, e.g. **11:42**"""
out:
**1:36**
